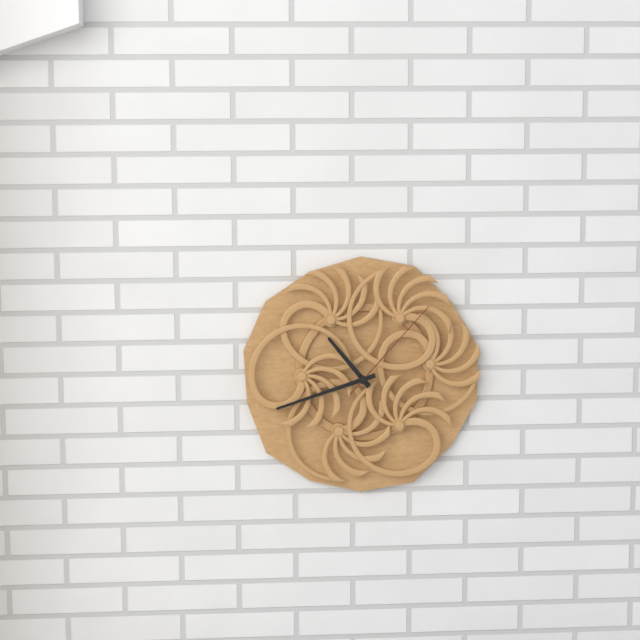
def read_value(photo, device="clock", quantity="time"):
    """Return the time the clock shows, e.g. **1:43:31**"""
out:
**10:42:07**
